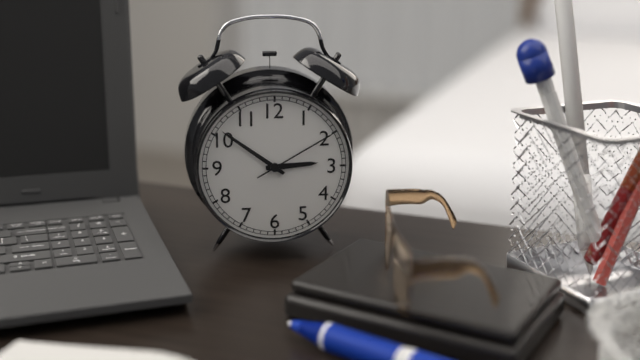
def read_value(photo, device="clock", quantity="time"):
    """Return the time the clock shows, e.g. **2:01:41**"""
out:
**2:51:10**
